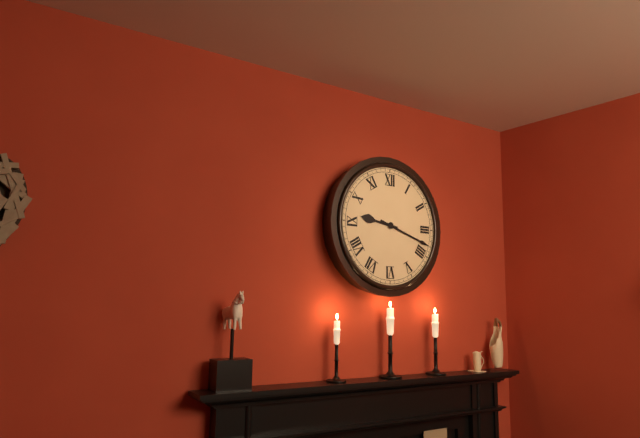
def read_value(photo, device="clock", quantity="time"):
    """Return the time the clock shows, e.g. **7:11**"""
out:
**9:18**
